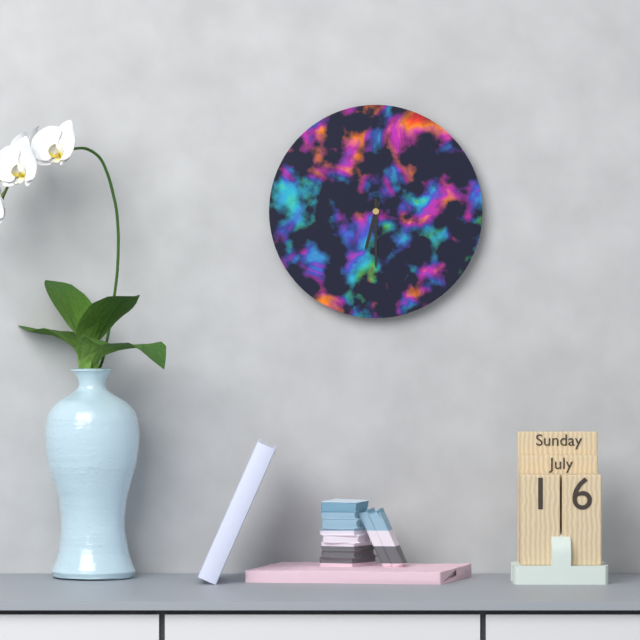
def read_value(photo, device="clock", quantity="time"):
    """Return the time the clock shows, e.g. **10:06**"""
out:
**6:30**
